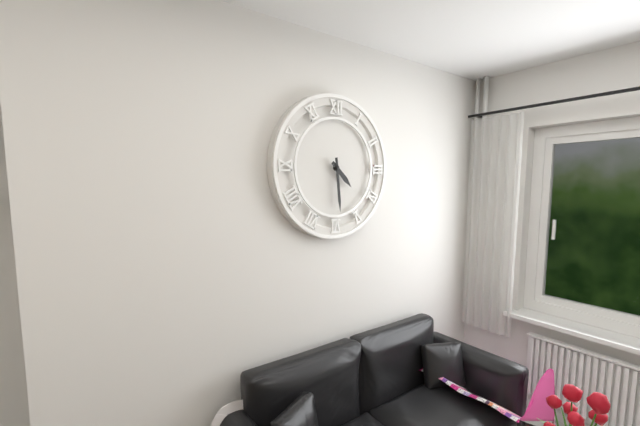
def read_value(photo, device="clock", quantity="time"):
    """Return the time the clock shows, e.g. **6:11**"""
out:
**4:29**
